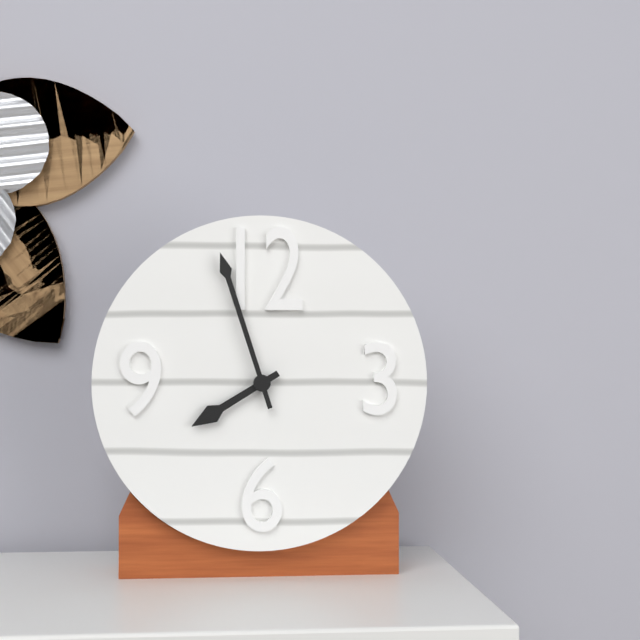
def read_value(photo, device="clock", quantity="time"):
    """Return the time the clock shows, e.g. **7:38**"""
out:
**7:57**
